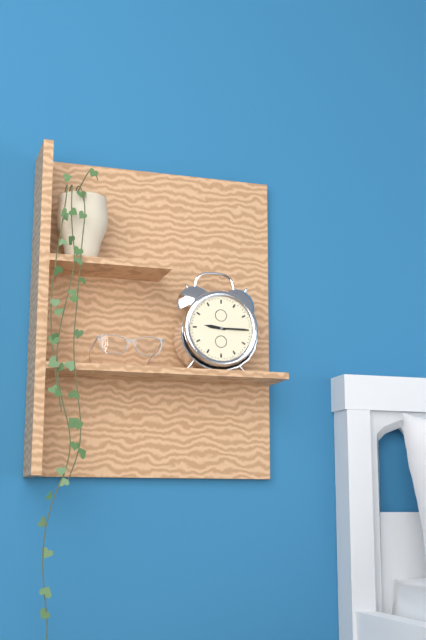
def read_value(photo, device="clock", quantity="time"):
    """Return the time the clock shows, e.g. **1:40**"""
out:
**9:15**
